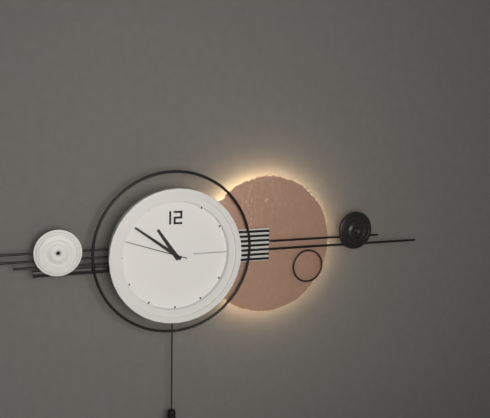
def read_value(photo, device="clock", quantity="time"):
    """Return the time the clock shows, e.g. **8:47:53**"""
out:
**10:51:48**
